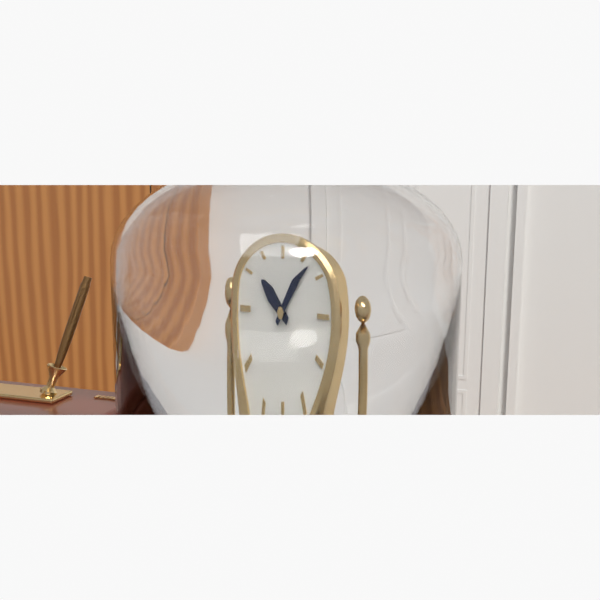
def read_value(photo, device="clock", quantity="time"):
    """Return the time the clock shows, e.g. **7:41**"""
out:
**10:07**
